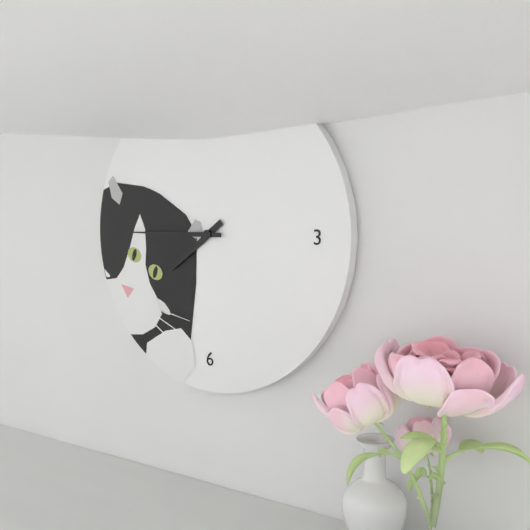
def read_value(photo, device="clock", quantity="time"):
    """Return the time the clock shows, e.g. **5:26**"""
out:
**7:45**
